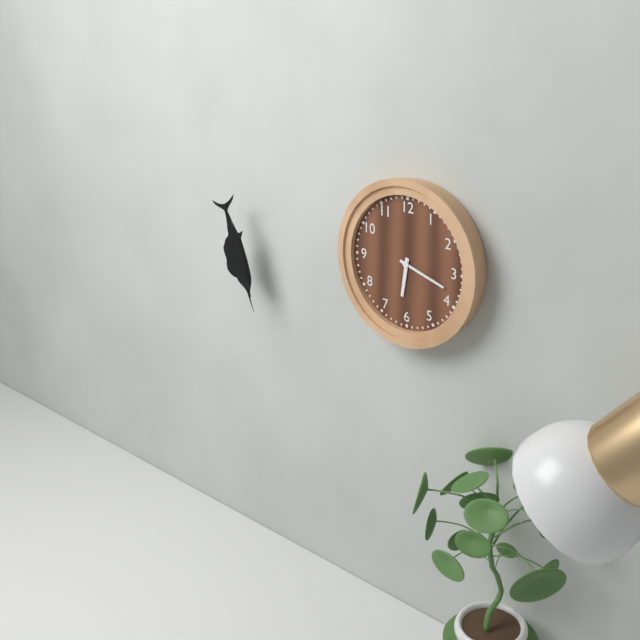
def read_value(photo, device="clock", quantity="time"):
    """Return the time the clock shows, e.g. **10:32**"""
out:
**6:18**
